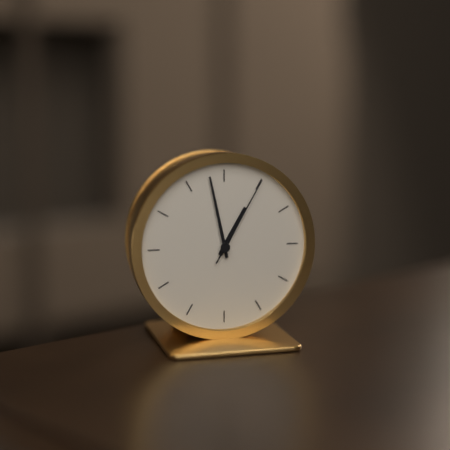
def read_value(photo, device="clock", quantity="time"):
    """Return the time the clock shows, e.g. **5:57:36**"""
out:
**12:58:05**
